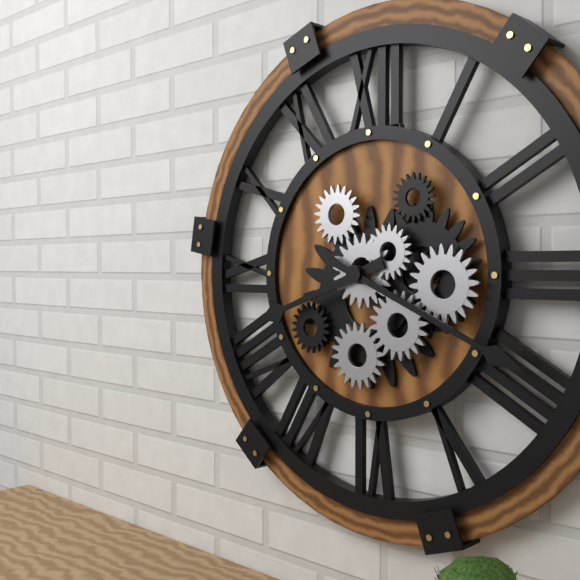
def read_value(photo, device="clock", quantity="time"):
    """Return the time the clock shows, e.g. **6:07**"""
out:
**8:19**
